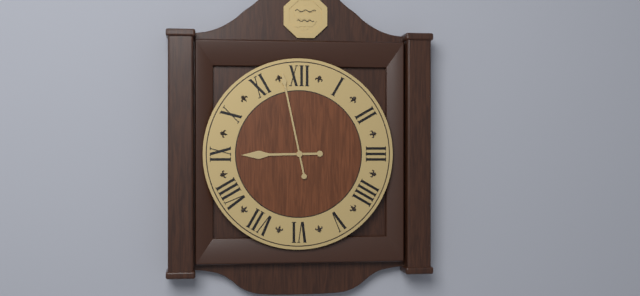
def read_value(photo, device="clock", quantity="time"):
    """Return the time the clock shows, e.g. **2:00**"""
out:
**8:58**
